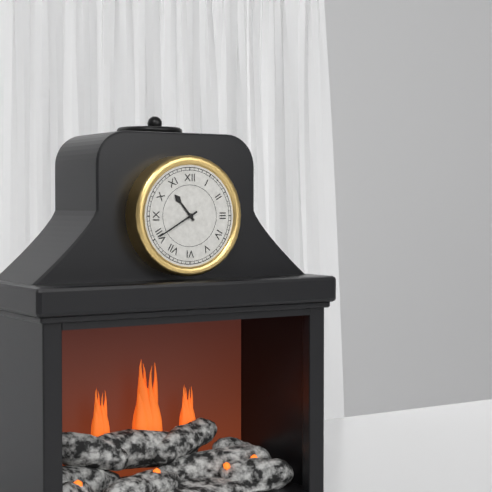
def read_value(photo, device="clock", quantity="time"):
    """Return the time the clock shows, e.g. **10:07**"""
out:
**10:40**
